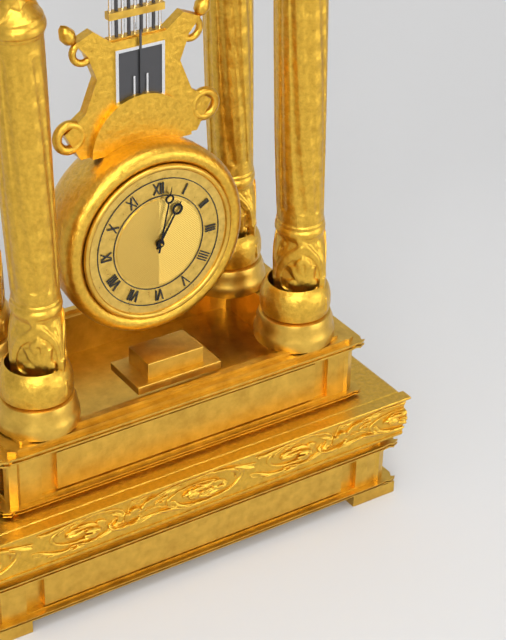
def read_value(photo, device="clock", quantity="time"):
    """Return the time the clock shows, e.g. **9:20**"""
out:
**1:02**
